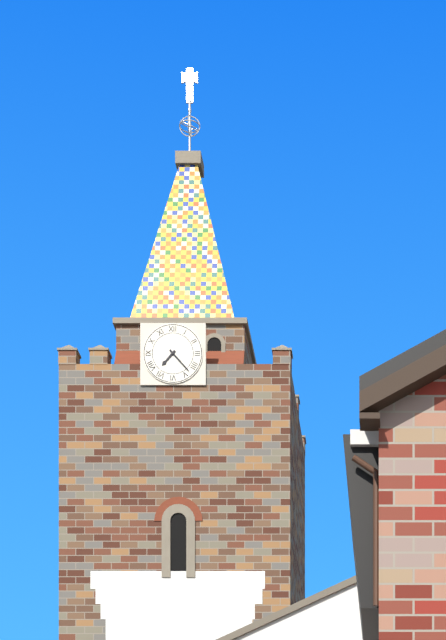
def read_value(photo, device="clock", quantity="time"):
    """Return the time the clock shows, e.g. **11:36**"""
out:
**7:23**
